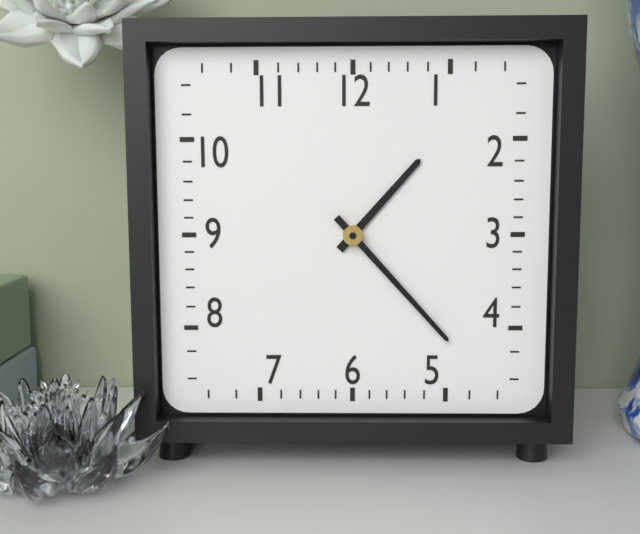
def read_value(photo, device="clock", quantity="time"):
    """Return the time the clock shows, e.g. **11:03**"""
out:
**1:23**
